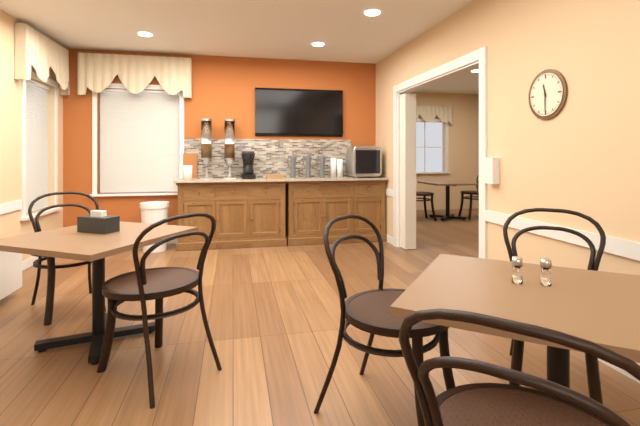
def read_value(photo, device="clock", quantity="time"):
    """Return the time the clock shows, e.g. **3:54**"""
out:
**11:30**
